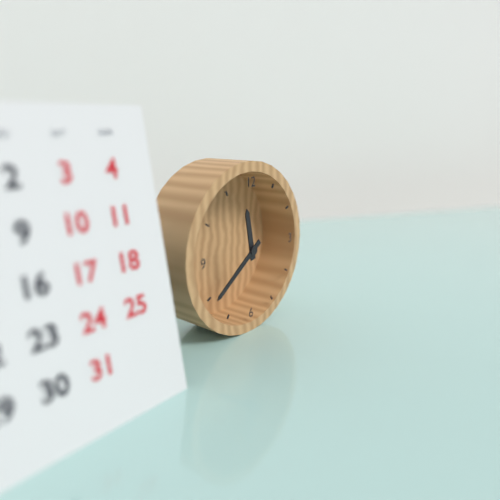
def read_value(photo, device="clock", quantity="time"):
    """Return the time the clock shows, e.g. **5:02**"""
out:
**11:39**
